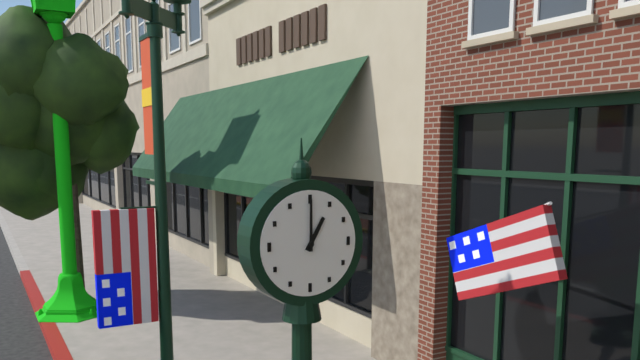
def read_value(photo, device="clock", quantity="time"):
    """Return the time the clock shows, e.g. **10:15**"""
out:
**1:00**
